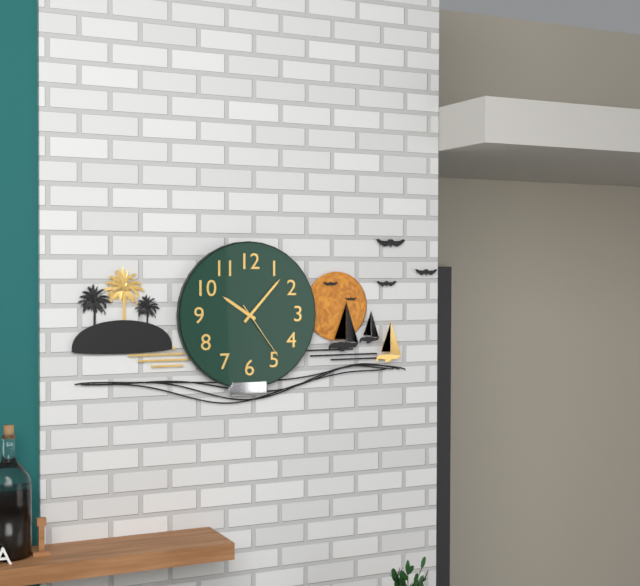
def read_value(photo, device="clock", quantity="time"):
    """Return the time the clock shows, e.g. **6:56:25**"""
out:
**10:07:24**
